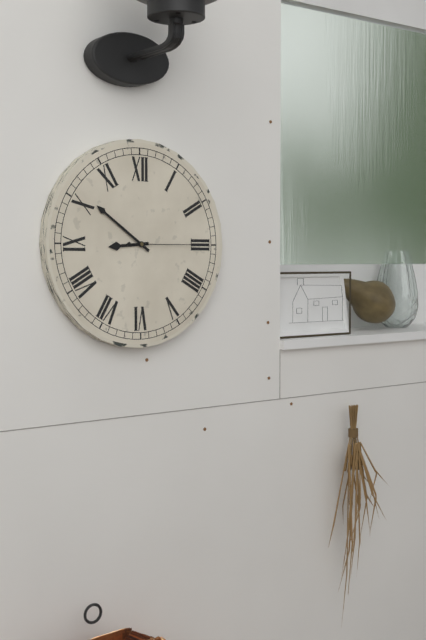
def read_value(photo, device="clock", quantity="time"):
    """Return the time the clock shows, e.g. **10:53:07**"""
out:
**8:51:15**
